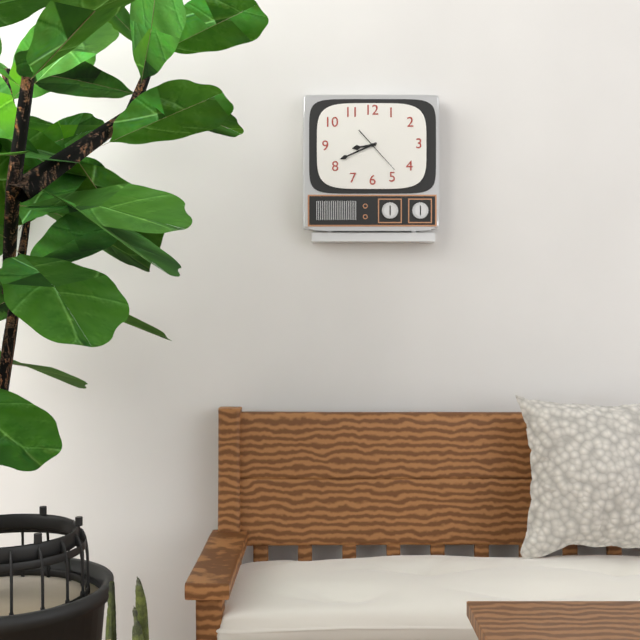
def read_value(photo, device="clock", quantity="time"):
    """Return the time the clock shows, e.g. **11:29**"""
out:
**8:41**
